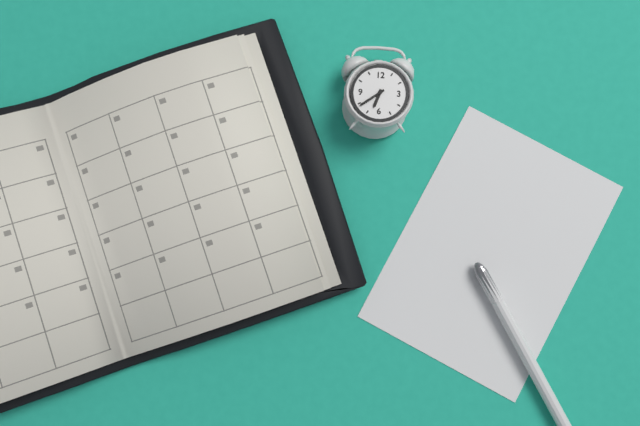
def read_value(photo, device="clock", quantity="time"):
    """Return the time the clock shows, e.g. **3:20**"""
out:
**6:39**
